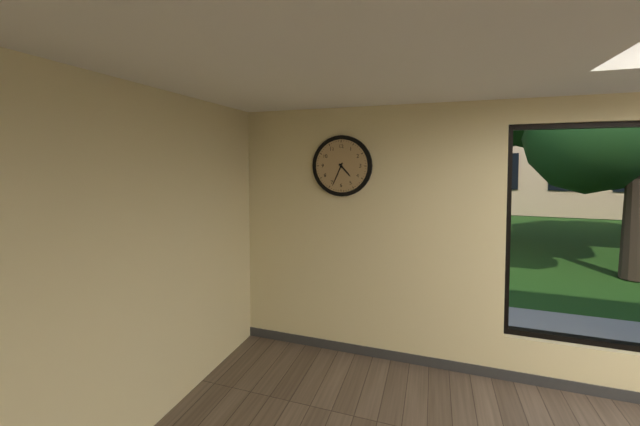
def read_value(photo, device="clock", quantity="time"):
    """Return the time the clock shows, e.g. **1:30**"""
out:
**4:34**
